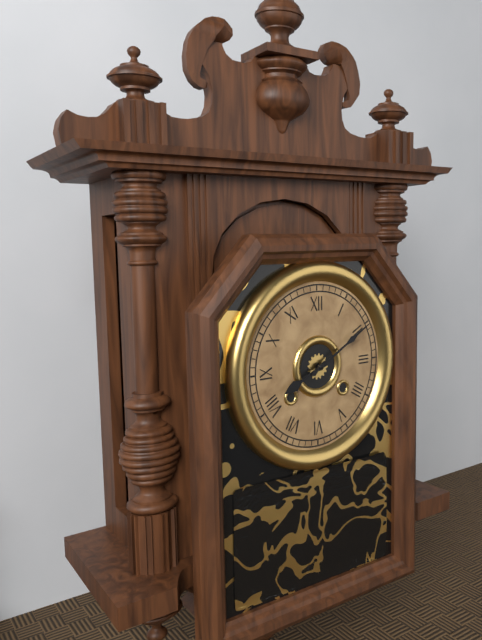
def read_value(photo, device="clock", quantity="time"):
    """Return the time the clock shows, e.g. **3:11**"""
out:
**8:10**
